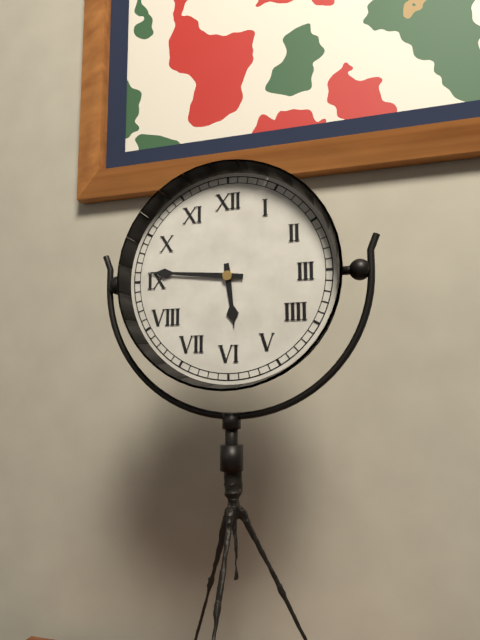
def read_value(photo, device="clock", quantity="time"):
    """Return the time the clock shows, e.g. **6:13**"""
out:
**5:46**
